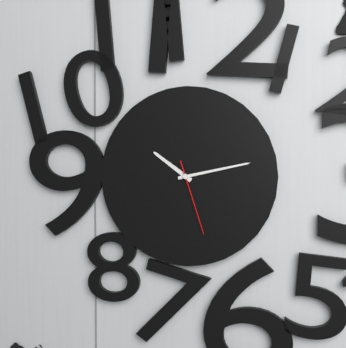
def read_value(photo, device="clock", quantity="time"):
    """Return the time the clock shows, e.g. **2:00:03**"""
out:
**10:13:27**
